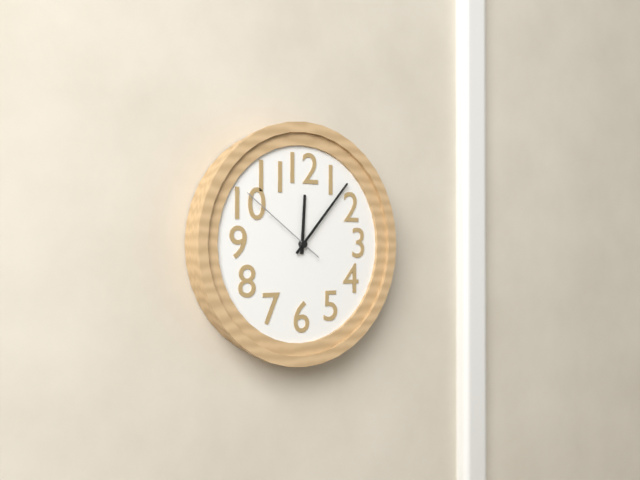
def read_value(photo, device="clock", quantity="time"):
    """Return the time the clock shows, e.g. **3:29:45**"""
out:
**12:07:51**
